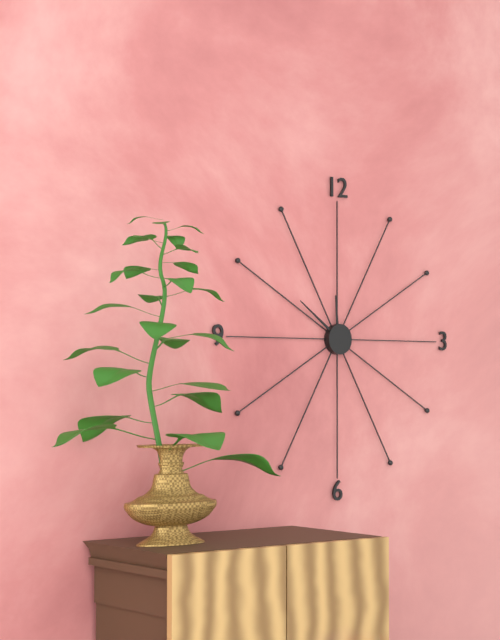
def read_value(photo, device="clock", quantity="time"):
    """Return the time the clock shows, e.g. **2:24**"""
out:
**11:51**
